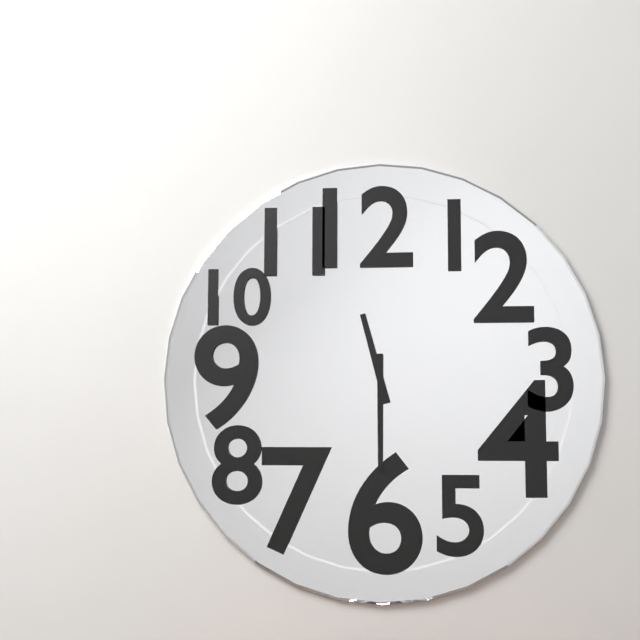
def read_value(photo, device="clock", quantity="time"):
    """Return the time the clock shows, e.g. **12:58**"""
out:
**11:30**
